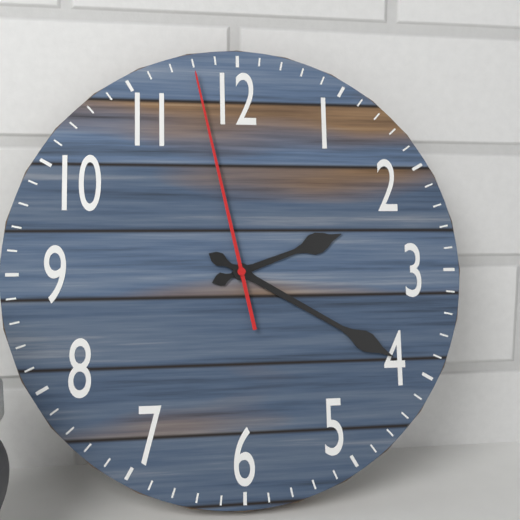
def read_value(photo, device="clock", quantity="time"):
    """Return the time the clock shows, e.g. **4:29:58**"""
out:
**2:20:58**
